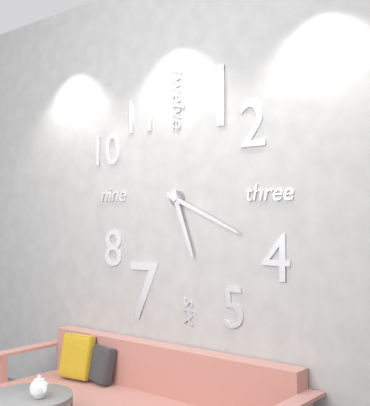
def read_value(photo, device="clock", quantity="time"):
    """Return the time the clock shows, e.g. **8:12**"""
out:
**5:19**
